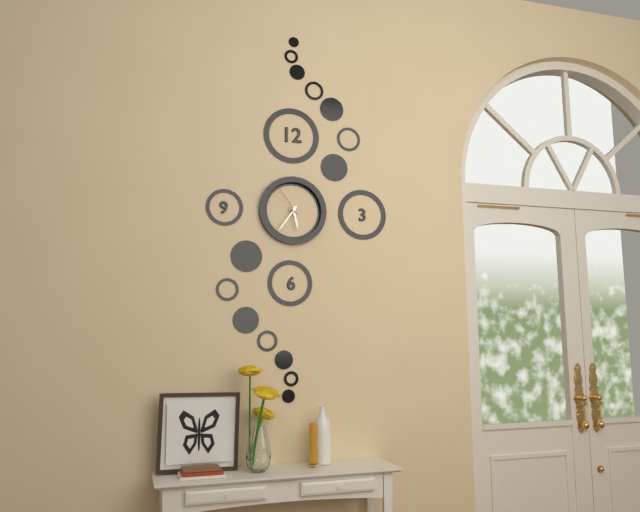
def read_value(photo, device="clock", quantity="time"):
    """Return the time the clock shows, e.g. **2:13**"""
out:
**5:36**
